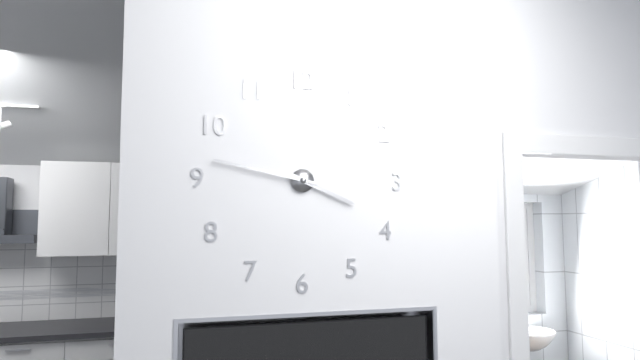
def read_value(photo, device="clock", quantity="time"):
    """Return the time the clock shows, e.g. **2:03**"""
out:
**3:47**
